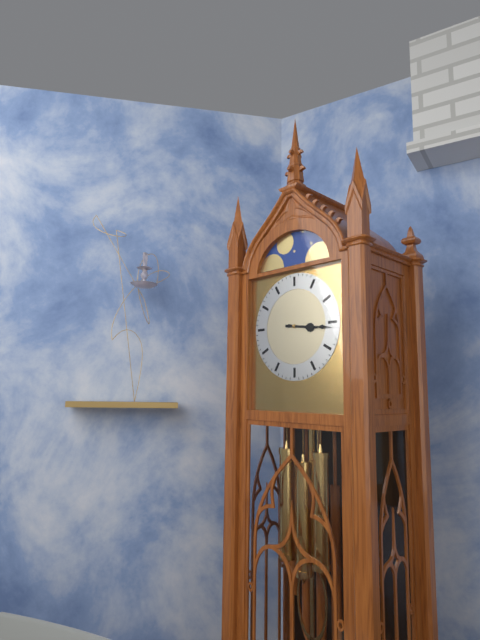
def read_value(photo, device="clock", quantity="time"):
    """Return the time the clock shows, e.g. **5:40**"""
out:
**3:16**
